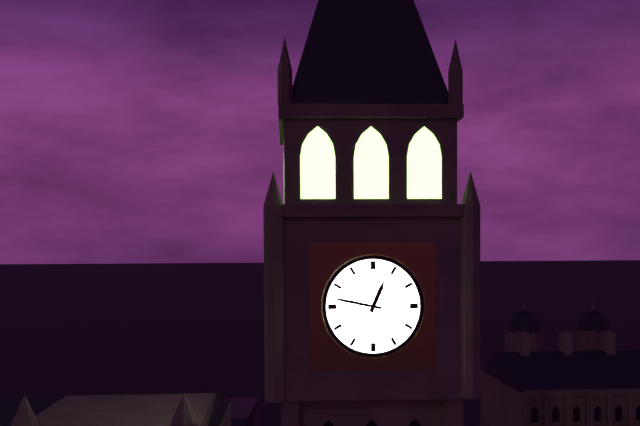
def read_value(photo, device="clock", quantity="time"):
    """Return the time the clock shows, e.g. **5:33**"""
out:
**12:47**
